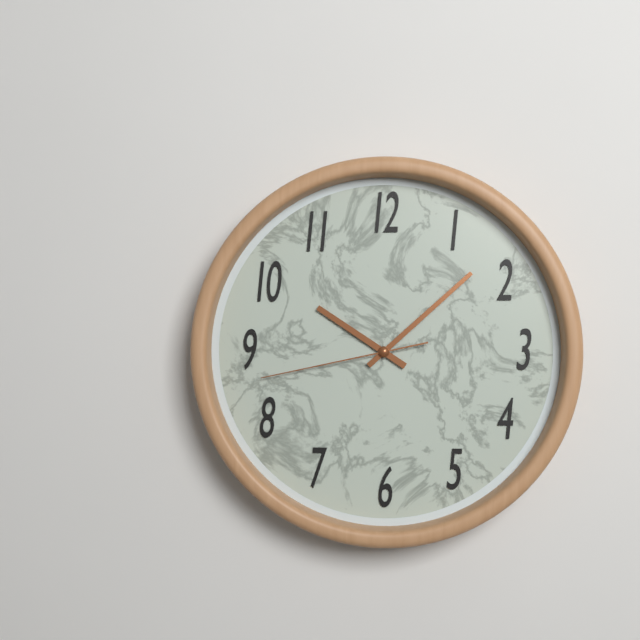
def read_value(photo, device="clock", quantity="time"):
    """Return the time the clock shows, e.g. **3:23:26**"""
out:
**10:08:43**
